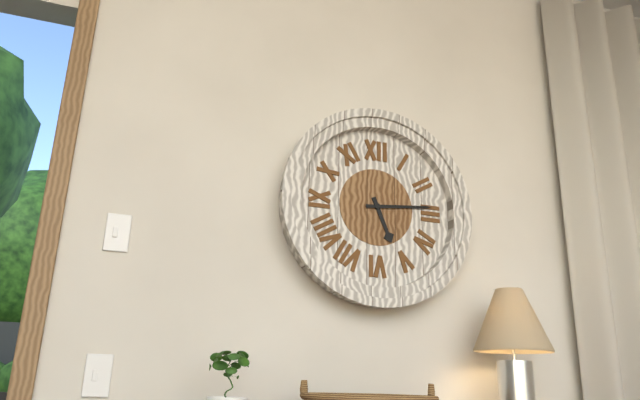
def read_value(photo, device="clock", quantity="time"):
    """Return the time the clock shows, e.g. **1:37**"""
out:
**5:14**
